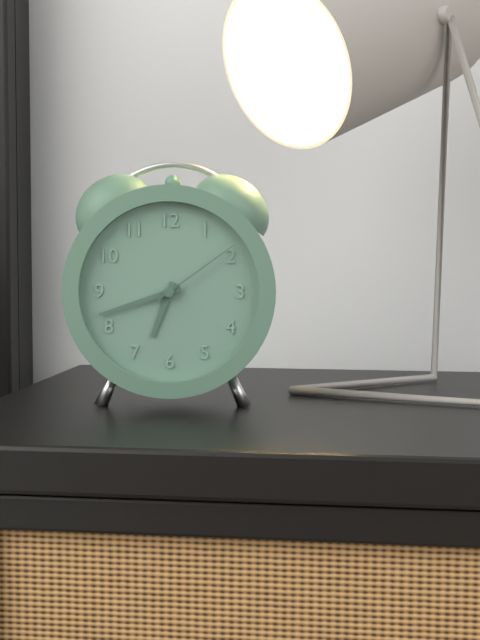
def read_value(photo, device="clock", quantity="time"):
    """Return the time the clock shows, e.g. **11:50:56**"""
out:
**6:42:09**
